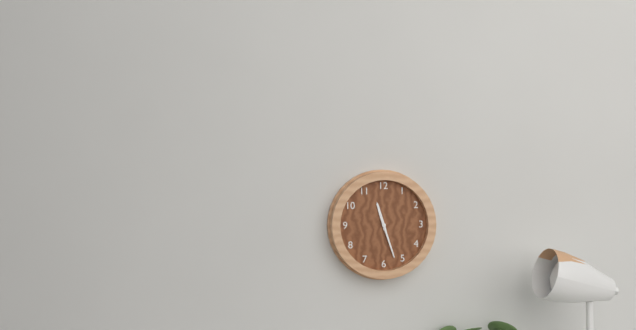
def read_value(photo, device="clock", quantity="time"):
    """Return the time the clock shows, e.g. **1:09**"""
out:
**11:27**
